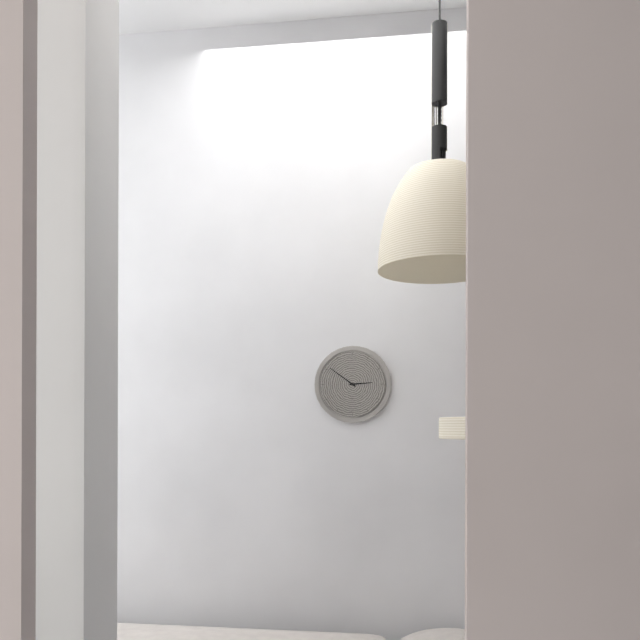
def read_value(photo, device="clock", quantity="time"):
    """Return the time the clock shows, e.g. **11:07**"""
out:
**2:51**
